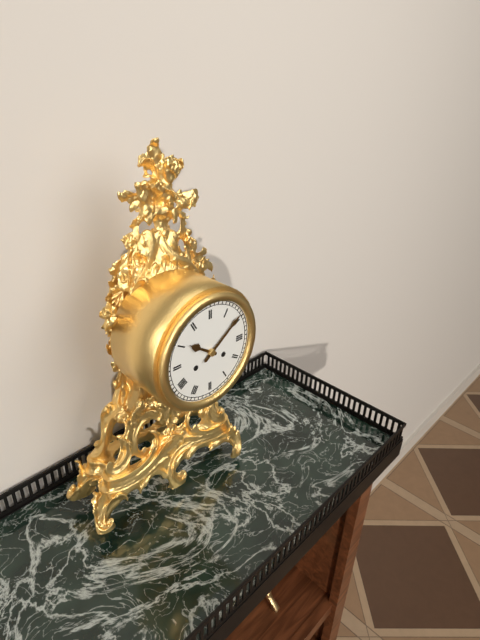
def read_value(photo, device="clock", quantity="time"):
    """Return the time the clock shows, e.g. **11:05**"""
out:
**10:09**
